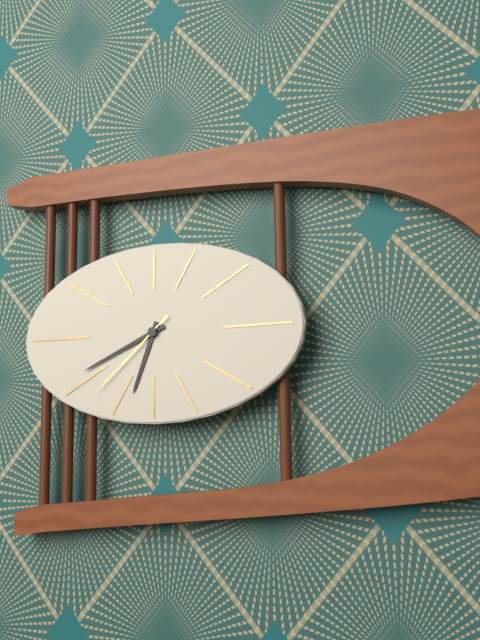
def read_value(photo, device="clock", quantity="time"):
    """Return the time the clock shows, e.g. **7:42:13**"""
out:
**6:41:38**
